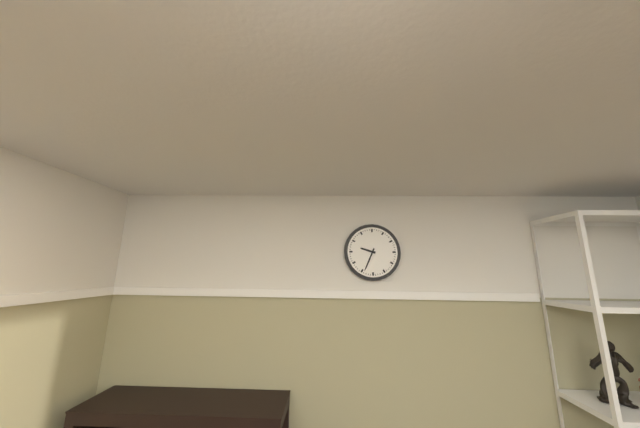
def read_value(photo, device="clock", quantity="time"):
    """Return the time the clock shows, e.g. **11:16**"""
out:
**9:34**
